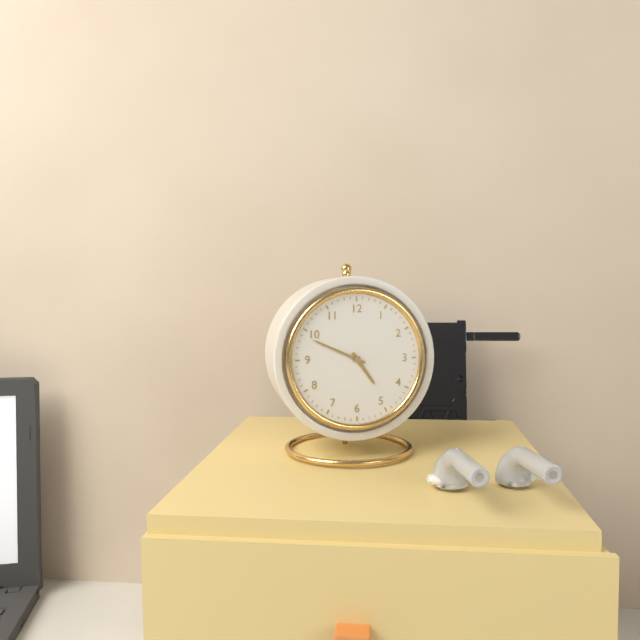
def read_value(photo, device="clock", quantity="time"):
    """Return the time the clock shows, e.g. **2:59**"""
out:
**4:49**
